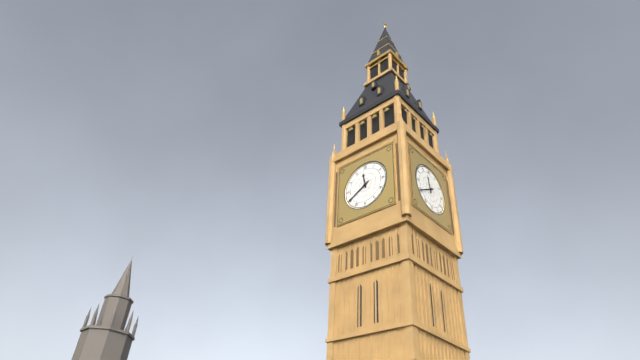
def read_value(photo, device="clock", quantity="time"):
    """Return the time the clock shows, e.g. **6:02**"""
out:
**11:40**
